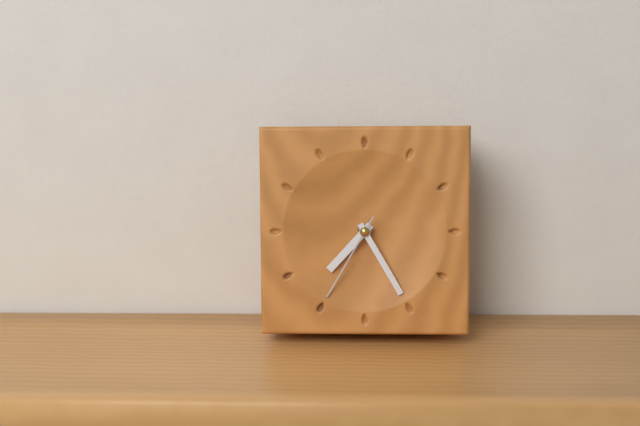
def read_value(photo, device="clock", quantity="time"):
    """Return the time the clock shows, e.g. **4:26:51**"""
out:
**7:25:35**
